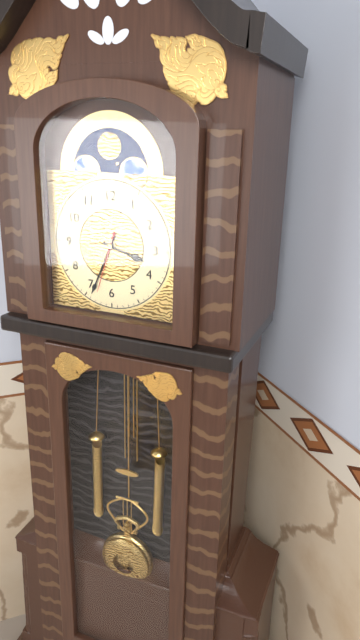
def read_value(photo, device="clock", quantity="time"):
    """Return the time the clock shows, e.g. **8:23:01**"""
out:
**3:34:33**
